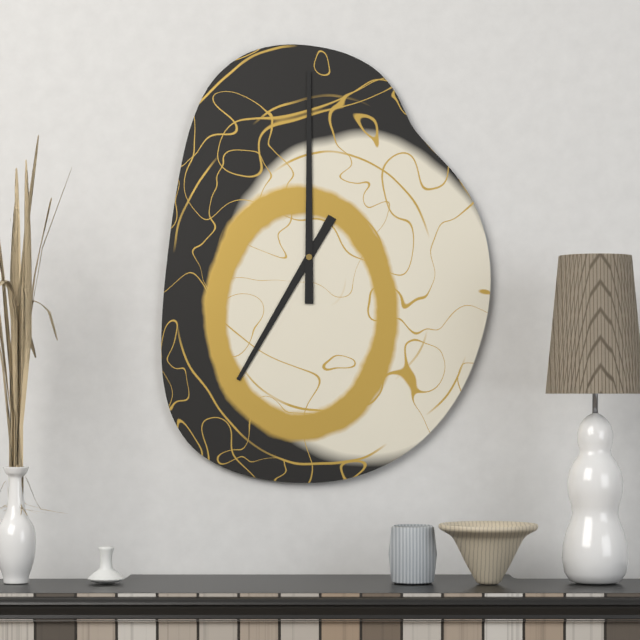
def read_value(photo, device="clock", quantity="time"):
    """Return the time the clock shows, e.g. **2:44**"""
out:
**7:00**
